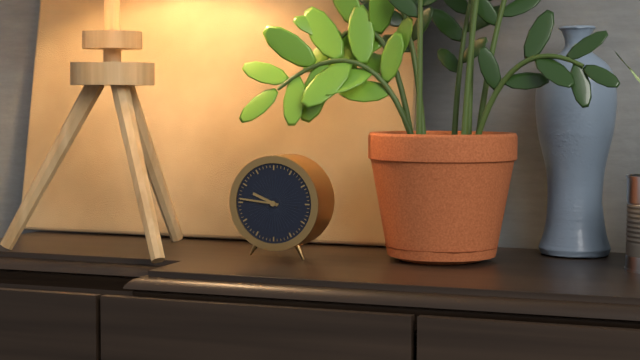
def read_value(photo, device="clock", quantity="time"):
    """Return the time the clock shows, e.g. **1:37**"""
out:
**9:46**
